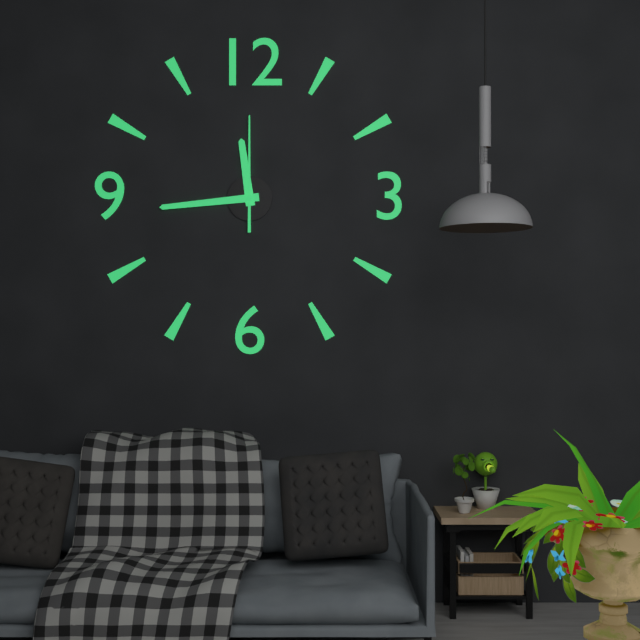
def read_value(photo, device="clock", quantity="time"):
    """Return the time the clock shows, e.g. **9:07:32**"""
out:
**11:44:00**
